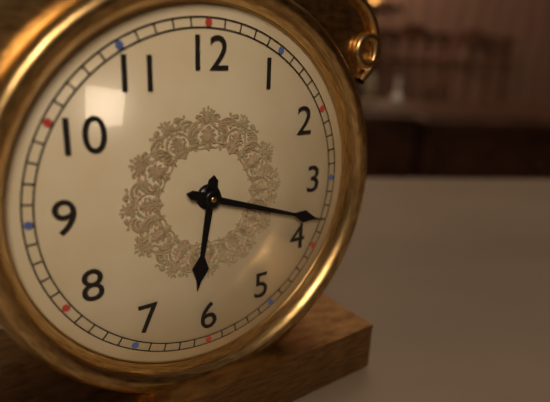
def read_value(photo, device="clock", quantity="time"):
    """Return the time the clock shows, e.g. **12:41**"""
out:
**6:18**
